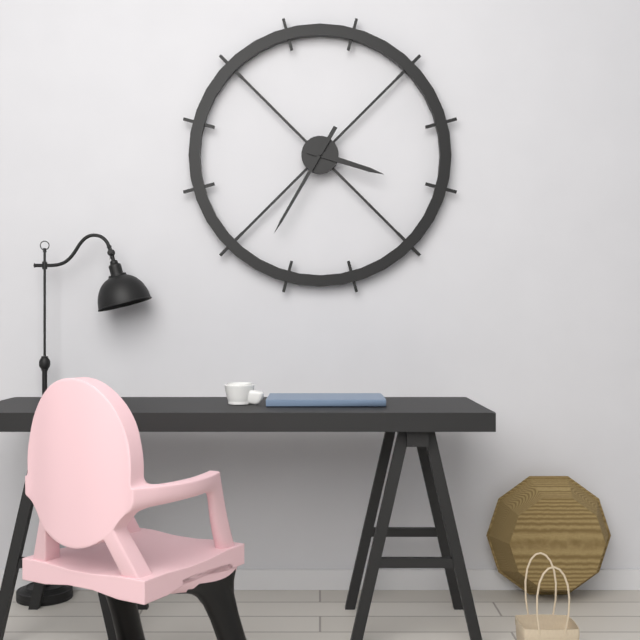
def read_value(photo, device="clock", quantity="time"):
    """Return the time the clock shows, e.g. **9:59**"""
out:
**3:35**
